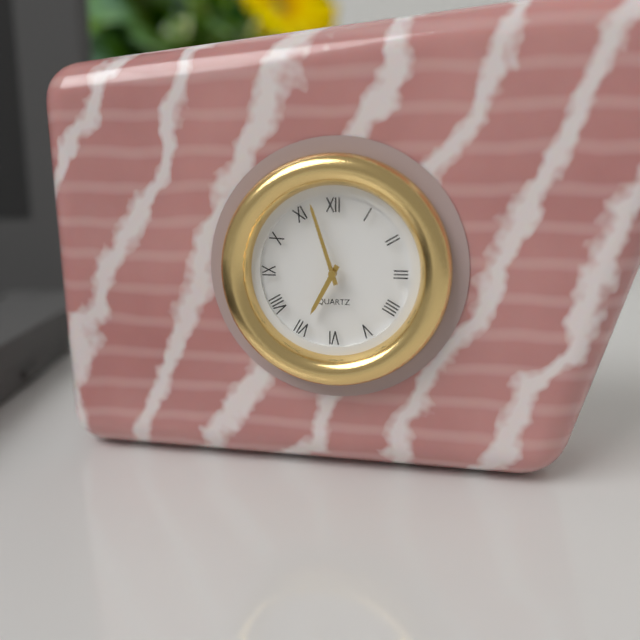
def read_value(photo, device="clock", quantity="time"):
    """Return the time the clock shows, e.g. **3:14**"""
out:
**6:57**
